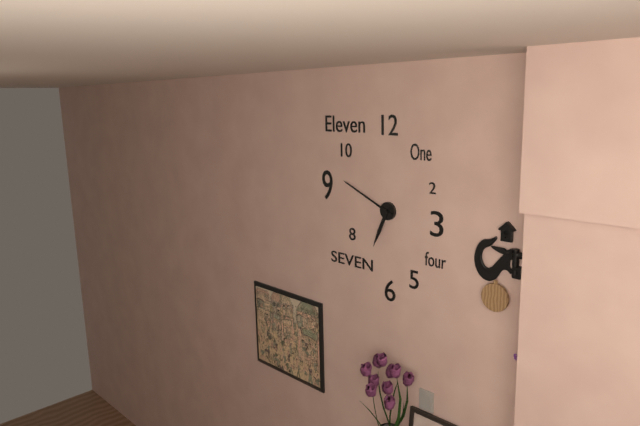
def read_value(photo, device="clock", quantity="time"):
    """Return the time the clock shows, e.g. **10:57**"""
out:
**6:49**
